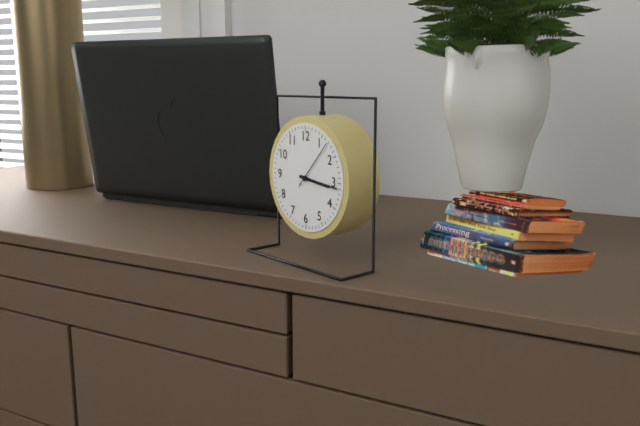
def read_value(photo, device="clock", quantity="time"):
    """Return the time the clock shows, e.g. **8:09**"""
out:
**3:16**
